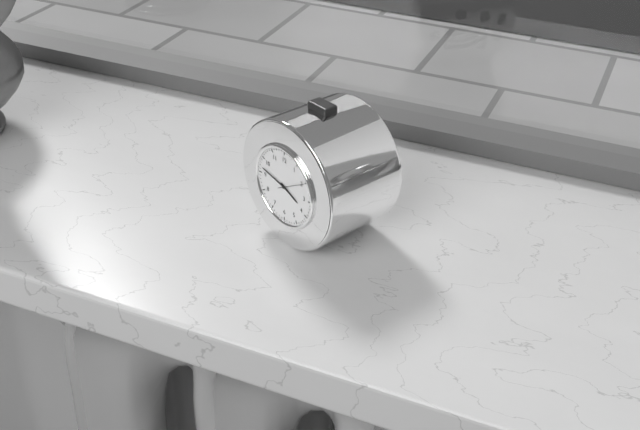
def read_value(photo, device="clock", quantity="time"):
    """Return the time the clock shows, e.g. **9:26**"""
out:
**3:47**
